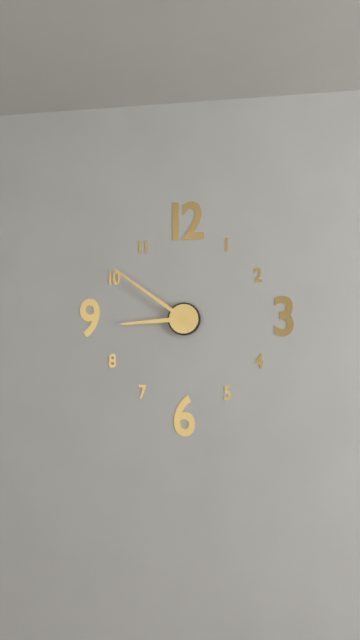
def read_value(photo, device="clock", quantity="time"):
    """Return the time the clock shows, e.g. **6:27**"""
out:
**8:51**
